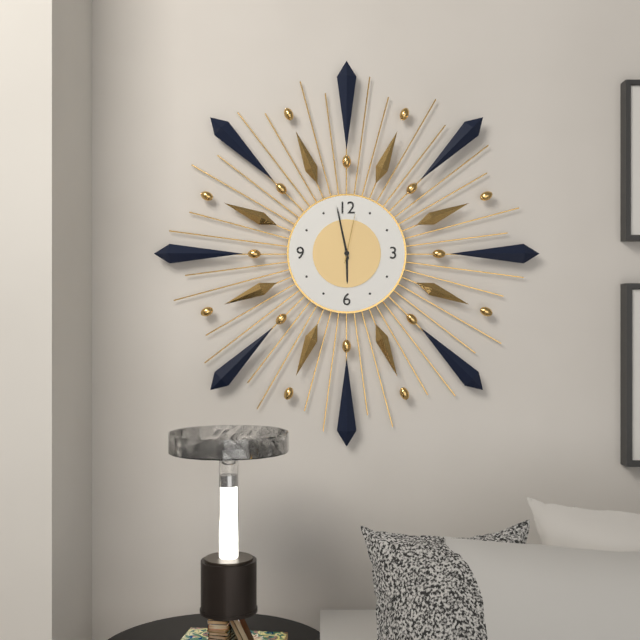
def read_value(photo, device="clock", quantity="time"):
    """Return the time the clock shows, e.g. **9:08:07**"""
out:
**5:58:02**
